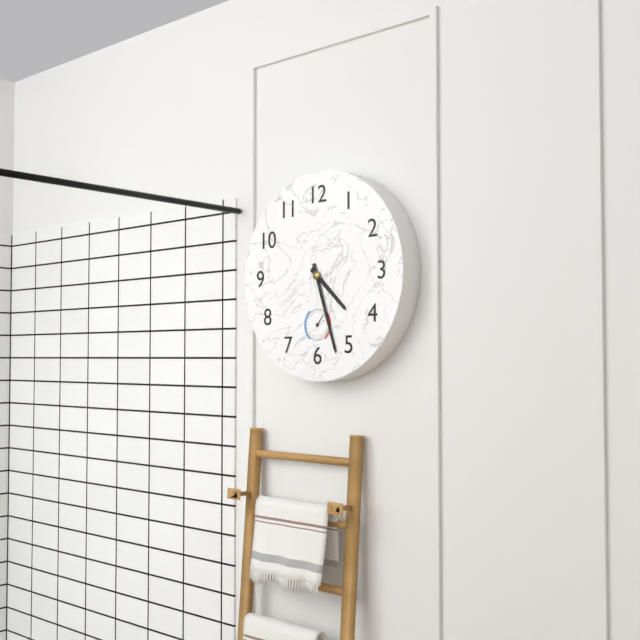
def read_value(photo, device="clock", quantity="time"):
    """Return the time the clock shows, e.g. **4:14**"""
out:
**4:27**
